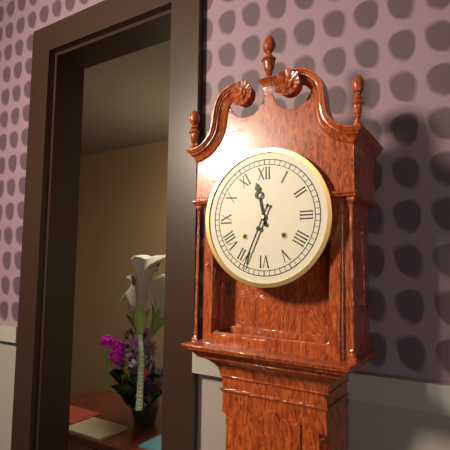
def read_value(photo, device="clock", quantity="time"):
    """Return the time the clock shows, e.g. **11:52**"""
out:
**11:34**
